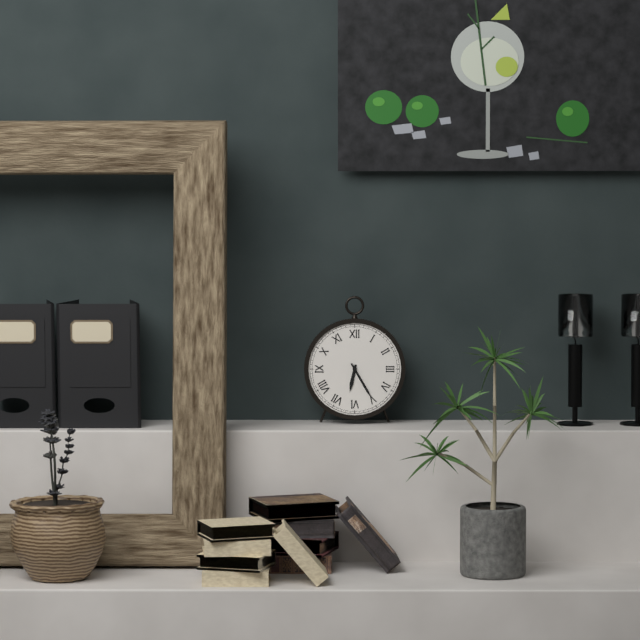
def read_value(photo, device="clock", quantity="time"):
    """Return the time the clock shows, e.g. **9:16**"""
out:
**6:25**
